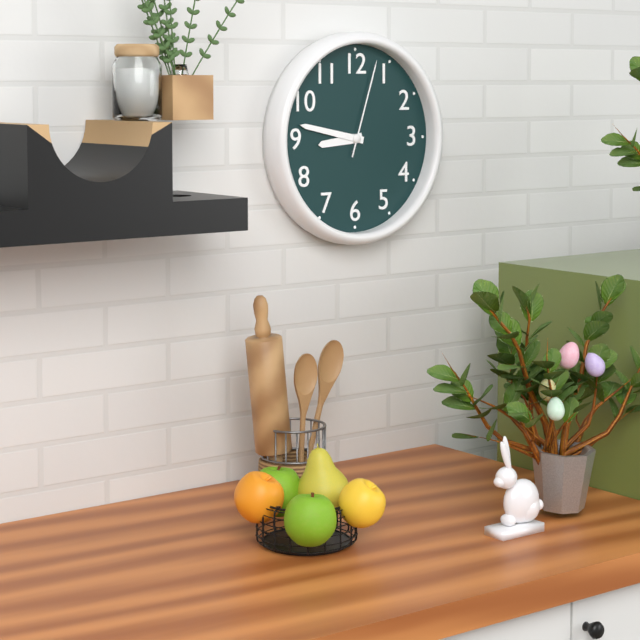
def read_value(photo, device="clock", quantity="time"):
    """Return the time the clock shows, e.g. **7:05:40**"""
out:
**8:47:03**
